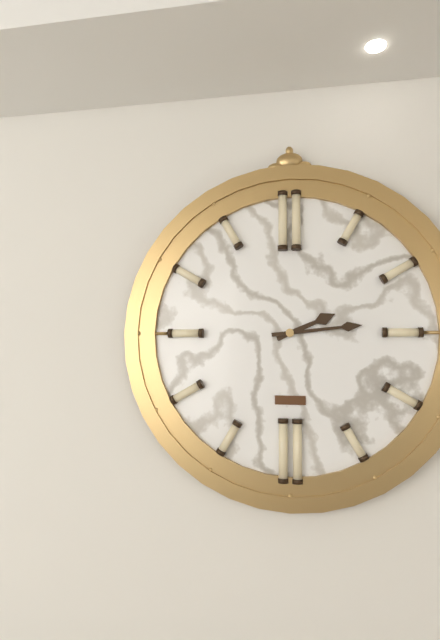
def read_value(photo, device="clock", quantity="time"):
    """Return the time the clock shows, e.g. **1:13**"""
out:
**2:14**
